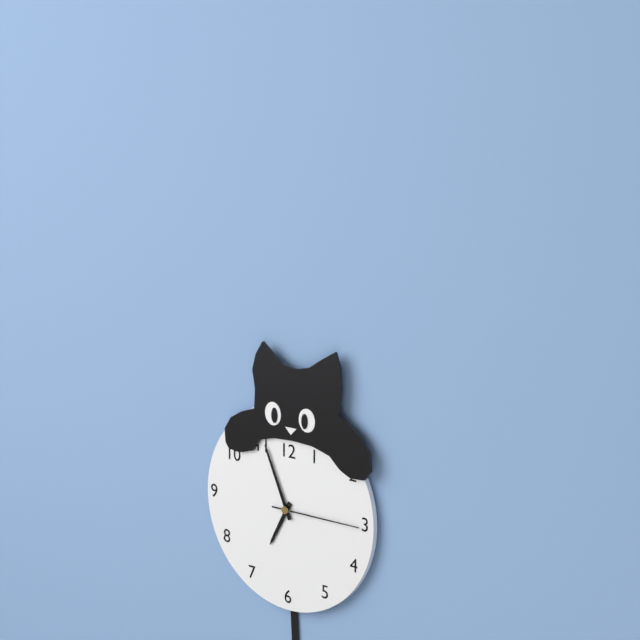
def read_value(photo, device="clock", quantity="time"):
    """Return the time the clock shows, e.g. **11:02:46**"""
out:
**6:56:15**
